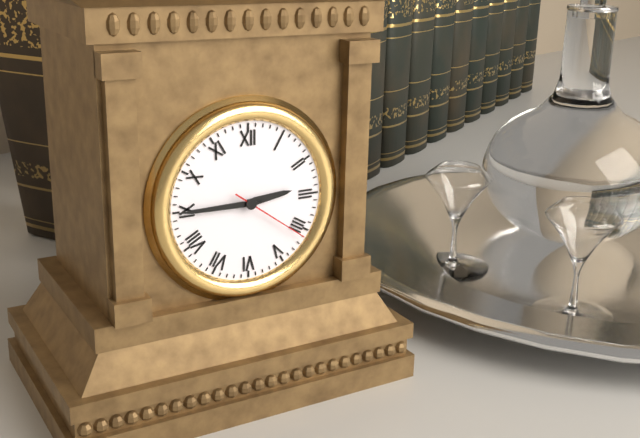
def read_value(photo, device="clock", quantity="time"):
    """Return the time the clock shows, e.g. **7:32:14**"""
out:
**2:45:21**
